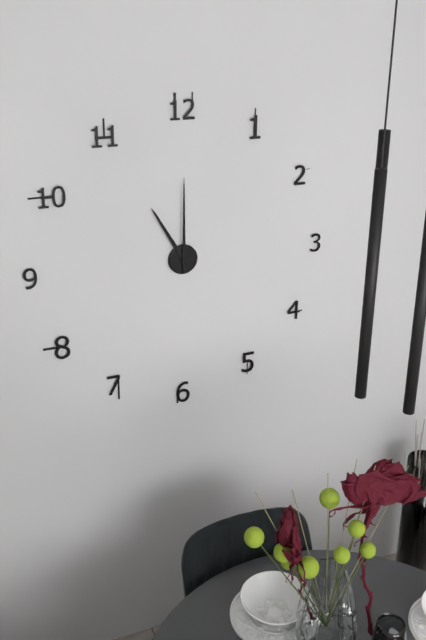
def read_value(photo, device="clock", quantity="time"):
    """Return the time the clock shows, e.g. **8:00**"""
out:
**11:00**
